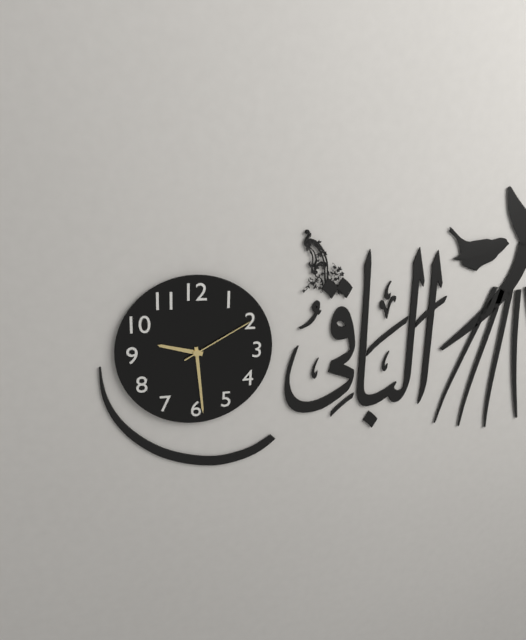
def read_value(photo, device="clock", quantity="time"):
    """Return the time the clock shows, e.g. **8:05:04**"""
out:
**9:29:10**
